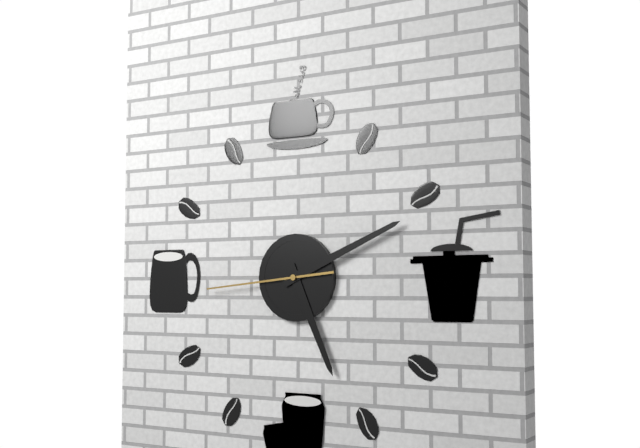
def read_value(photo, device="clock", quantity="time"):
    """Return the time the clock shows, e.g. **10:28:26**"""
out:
**5:11:44**
